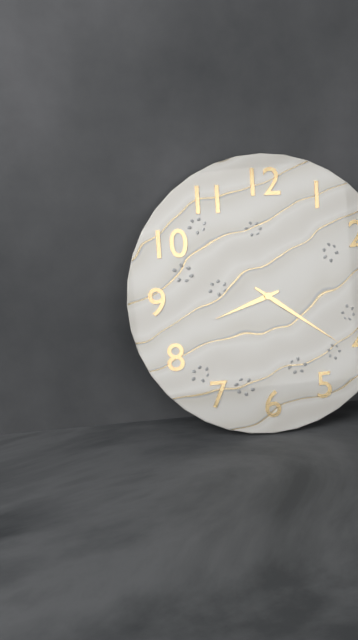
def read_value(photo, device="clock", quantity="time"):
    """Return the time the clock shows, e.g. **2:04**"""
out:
**8:21**
